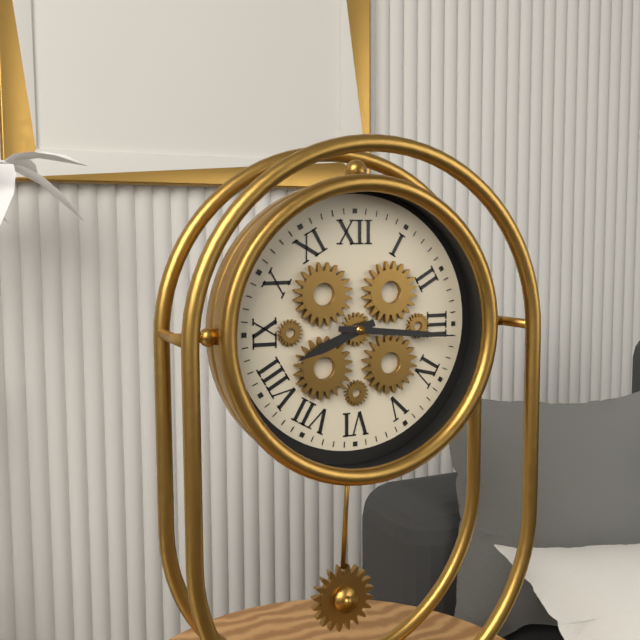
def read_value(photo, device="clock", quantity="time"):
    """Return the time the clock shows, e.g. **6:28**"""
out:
**8:16**
